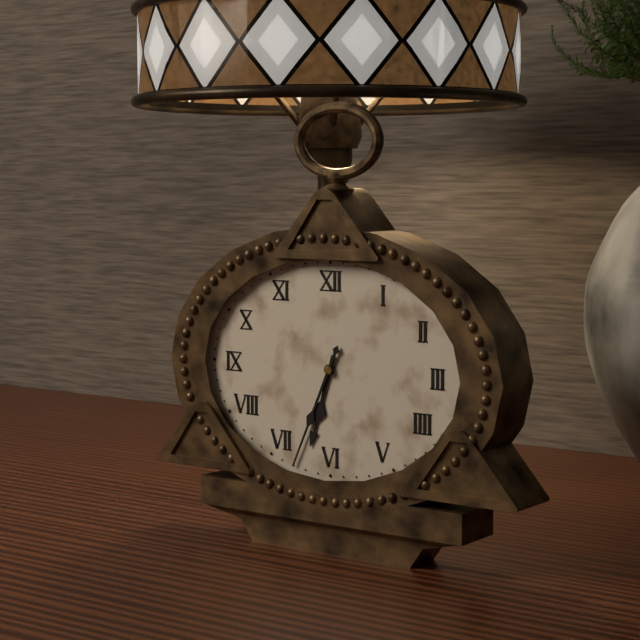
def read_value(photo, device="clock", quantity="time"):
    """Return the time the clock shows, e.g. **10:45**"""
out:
**6:34**
